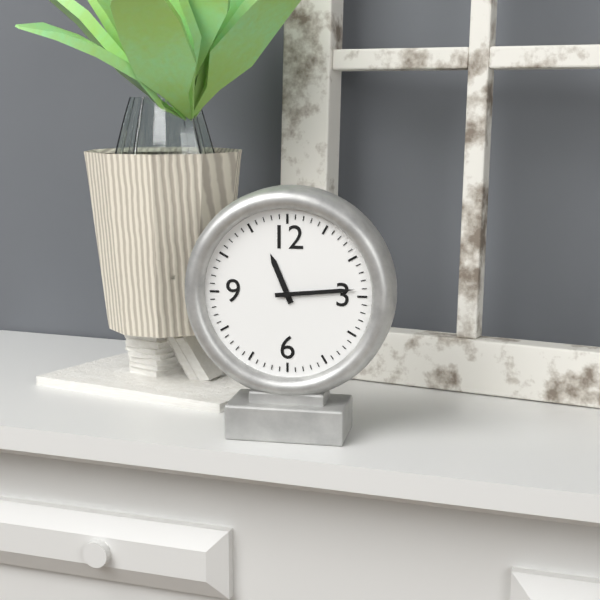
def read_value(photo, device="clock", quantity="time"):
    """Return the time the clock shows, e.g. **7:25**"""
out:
**11:14**
